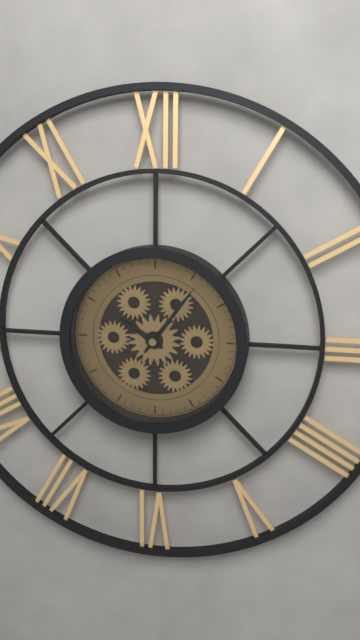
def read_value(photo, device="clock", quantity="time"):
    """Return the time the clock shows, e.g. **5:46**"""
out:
**10:06**
